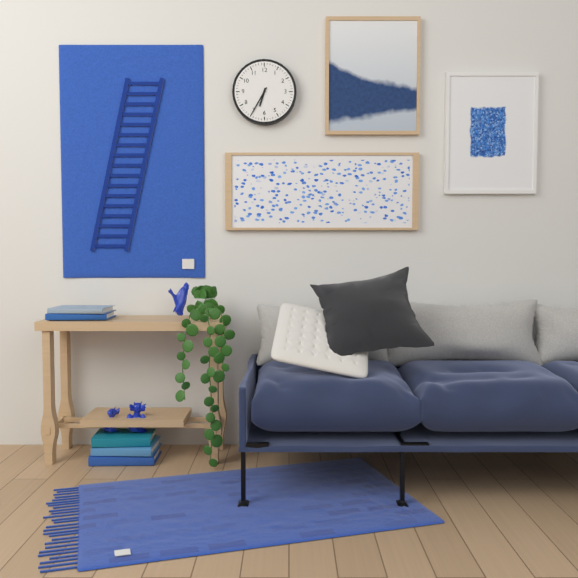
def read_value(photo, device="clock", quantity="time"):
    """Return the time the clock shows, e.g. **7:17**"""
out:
**6:35**
